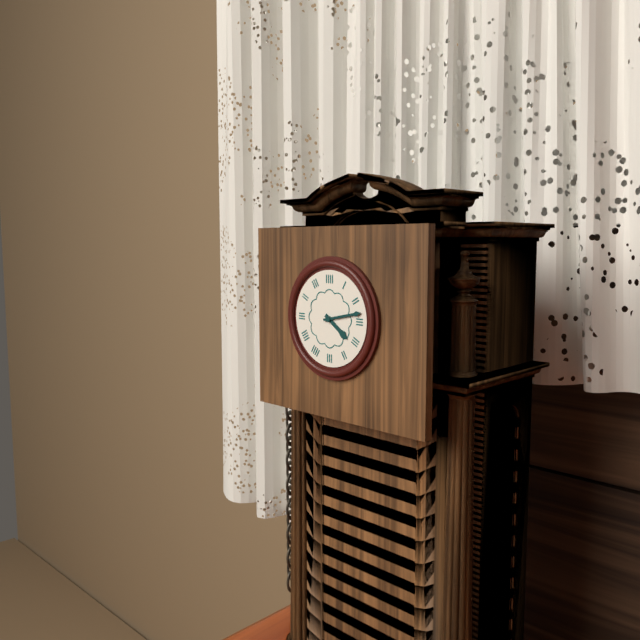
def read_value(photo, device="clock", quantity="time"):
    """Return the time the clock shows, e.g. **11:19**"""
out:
**4:13**
